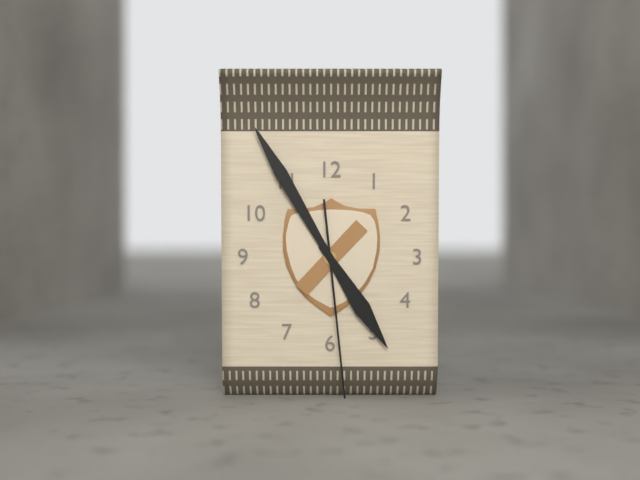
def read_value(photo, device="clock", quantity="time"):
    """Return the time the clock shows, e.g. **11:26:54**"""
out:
**4:55:29**
